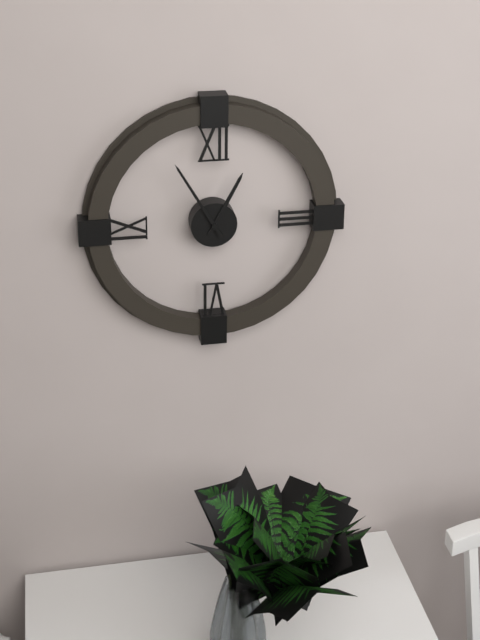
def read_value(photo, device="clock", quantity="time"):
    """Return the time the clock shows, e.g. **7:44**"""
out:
**12:55**
